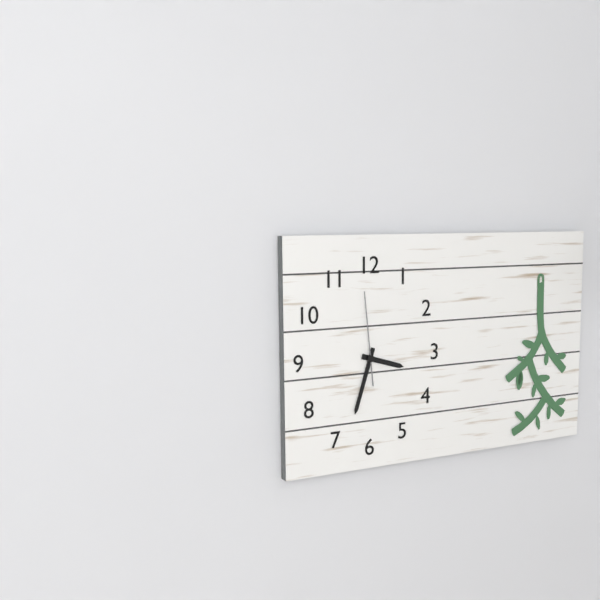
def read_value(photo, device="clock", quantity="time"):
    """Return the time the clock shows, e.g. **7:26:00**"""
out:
**3:33:59**
